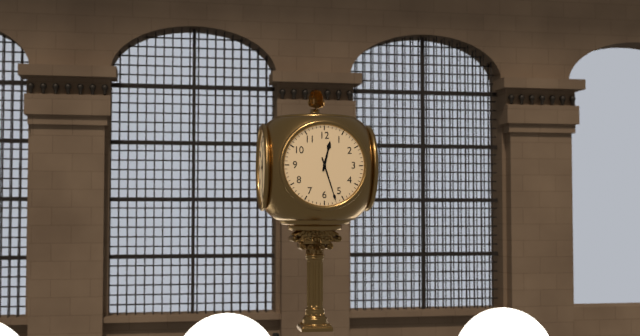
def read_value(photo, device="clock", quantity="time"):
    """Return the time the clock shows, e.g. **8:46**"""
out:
**12:27**
